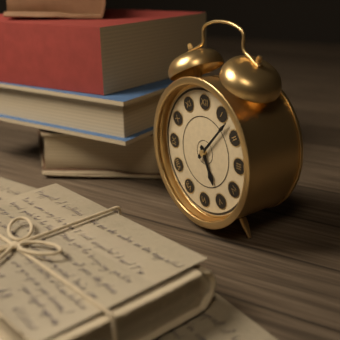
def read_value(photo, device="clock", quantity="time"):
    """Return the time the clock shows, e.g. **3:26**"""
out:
**5:07**
